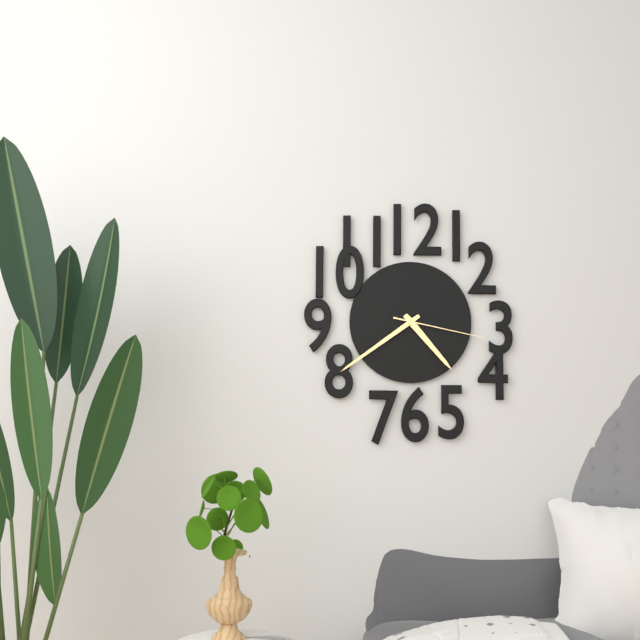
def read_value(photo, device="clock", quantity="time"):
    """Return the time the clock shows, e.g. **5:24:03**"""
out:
**4:39:17**
